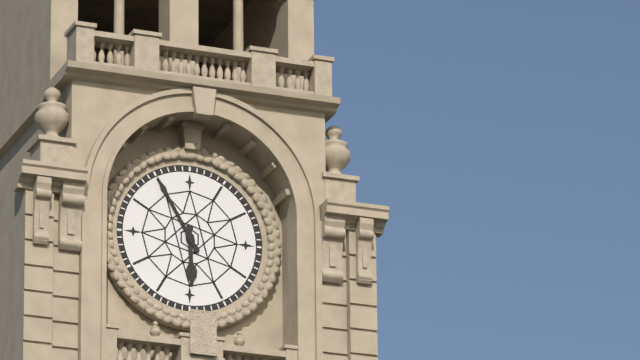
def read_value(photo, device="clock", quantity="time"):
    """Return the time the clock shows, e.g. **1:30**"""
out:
**5:55**
